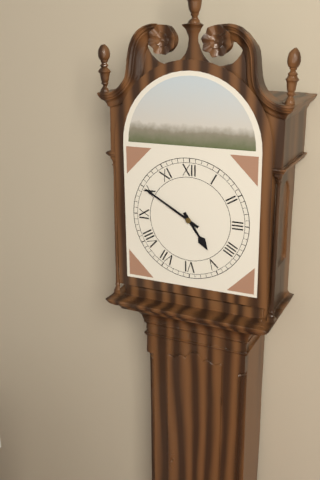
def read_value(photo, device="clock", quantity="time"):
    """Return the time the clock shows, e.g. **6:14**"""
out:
**4:50**
